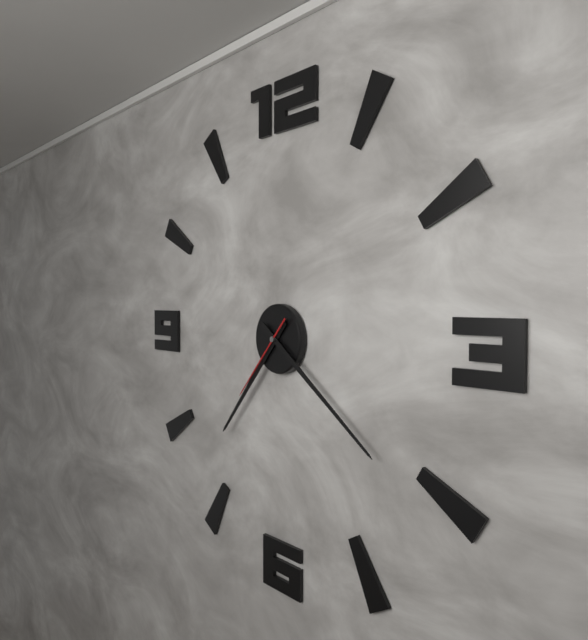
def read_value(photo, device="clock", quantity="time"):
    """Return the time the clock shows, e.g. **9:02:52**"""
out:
**7:21:37**
